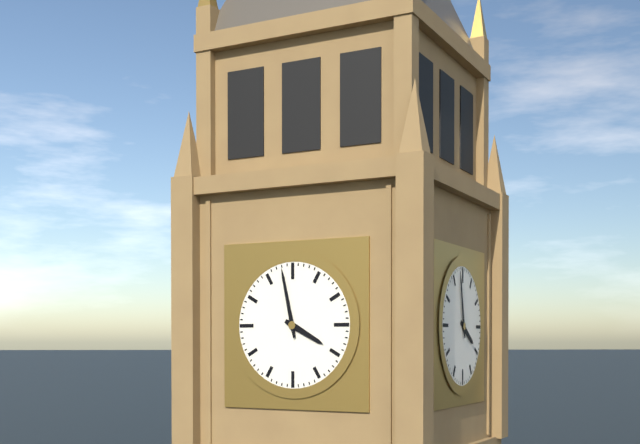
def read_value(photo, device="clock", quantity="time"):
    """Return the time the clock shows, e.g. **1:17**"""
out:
**3:58**
